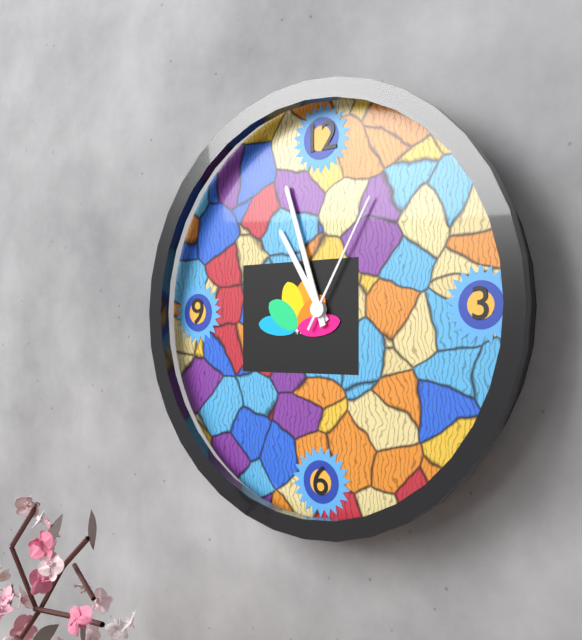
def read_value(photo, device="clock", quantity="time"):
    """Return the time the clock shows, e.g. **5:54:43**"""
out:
**10:57:05**
